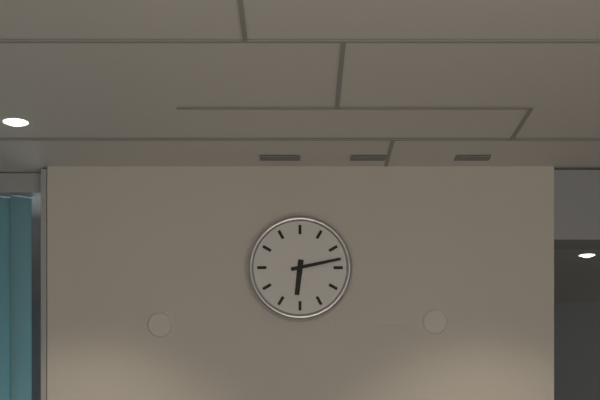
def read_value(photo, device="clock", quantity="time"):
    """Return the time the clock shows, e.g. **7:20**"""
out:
**6:13**
